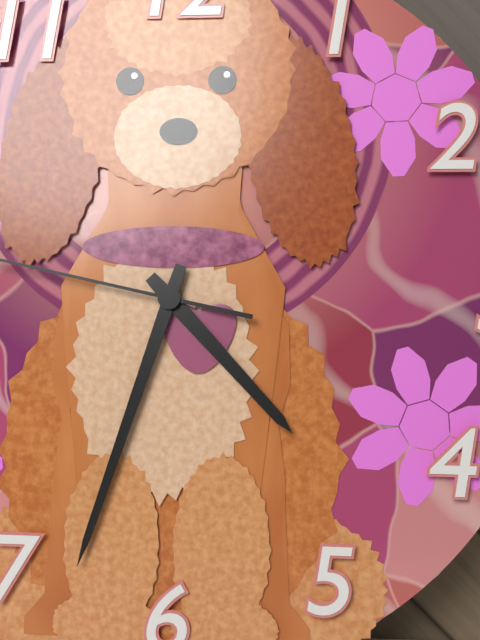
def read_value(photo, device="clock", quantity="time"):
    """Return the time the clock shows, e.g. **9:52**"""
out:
**4:33**
